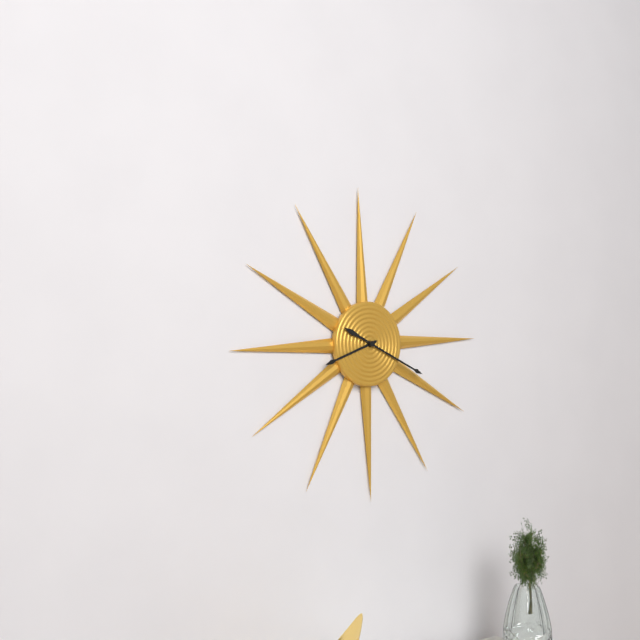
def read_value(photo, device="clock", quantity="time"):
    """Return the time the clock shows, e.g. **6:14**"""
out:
**8:19**
